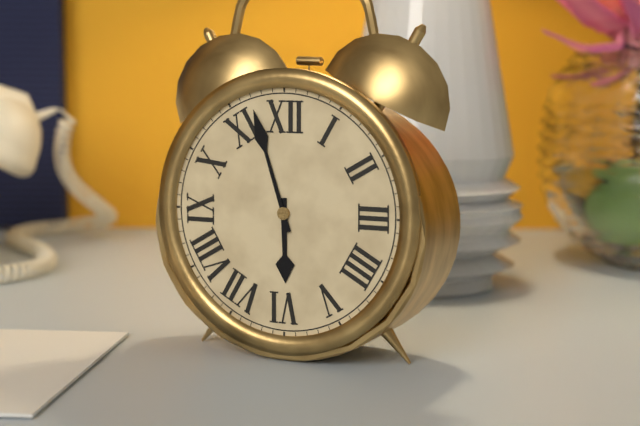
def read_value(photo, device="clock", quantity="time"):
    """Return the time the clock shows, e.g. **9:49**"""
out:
**5:57**
